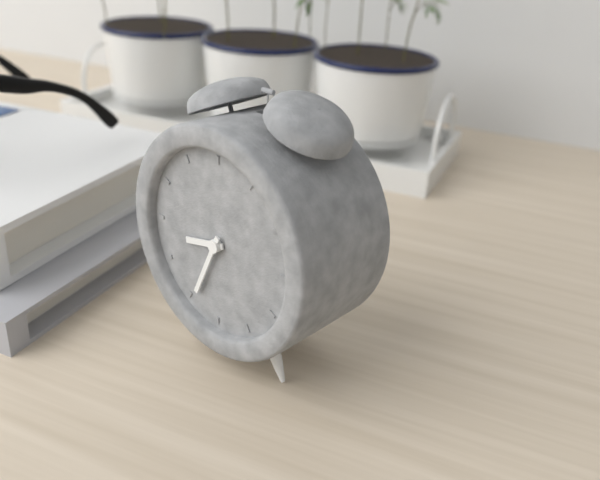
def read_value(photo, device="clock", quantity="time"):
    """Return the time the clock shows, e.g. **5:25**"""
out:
**8:34**
